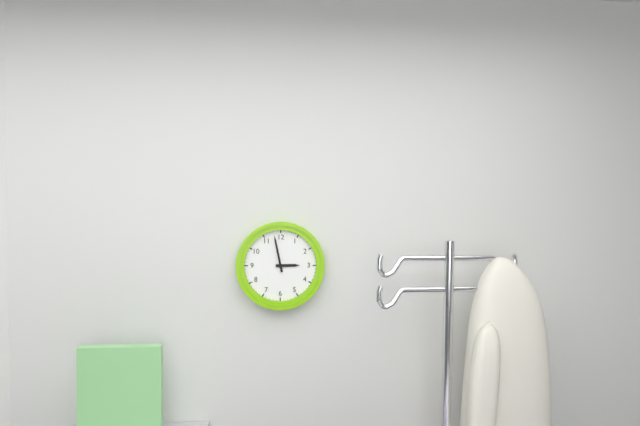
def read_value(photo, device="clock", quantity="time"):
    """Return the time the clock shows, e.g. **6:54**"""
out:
**2:58**
